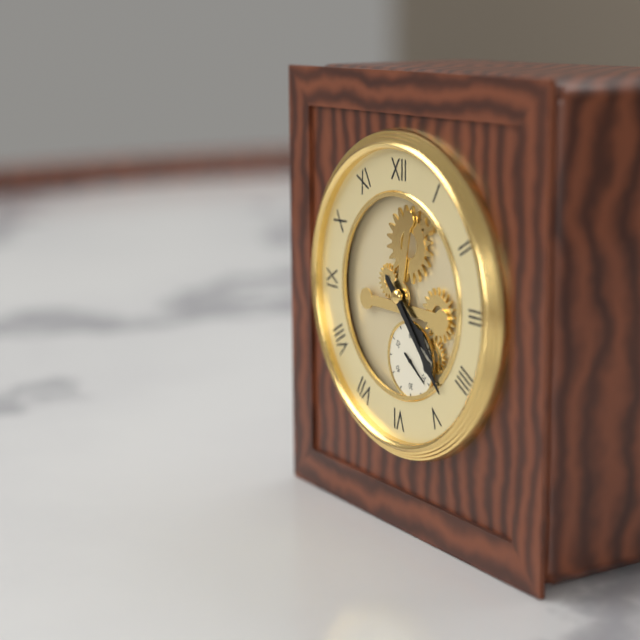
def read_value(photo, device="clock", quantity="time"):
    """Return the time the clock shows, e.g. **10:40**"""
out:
**4:23**
